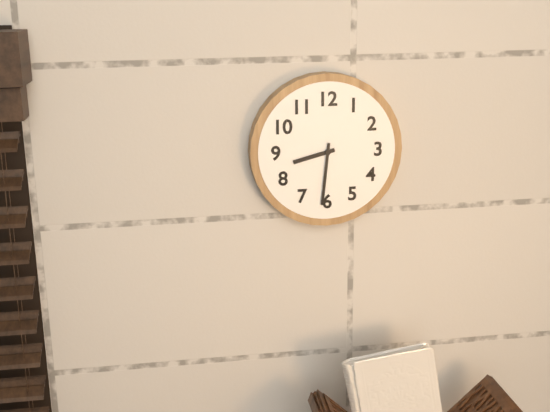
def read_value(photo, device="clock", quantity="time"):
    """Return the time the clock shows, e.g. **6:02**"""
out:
**8:31**
